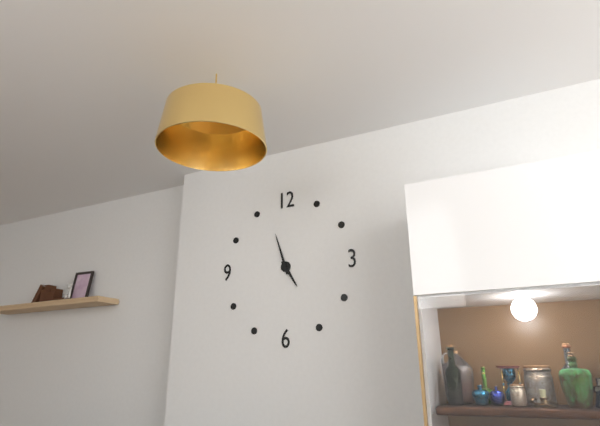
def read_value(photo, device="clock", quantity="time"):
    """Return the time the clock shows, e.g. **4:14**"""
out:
**4:57**
